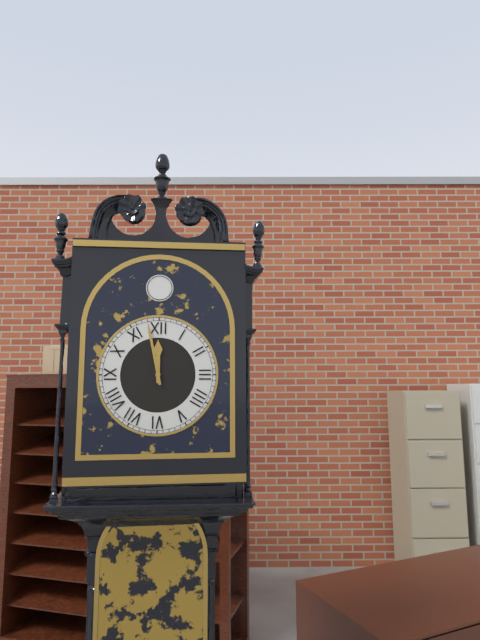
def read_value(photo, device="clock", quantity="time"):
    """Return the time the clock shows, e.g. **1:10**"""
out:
**11:58**
